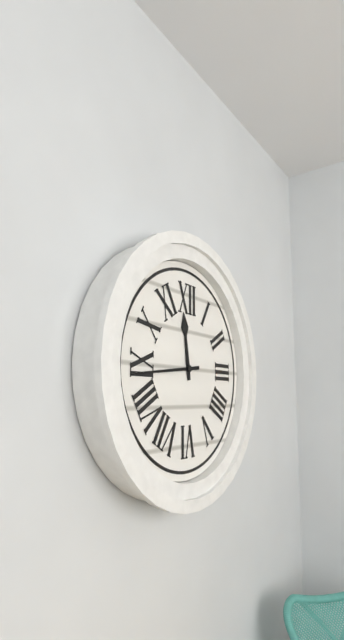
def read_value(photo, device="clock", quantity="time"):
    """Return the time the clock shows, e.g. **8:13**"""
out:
**11:44**
